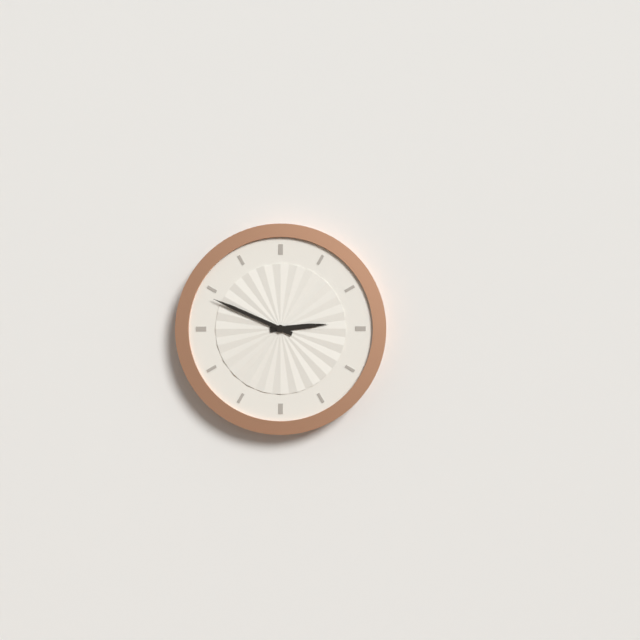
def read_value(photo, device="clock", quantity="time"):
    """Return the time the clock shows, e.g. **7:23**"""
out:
**2:49**
